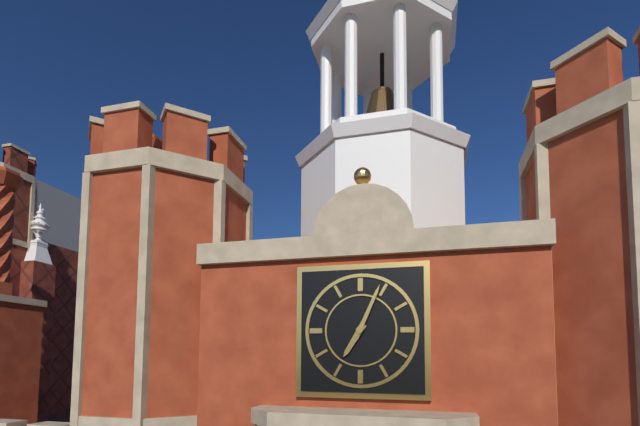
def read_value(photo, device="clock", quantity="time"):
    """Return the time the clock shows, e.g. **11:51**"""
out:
**7:04**
